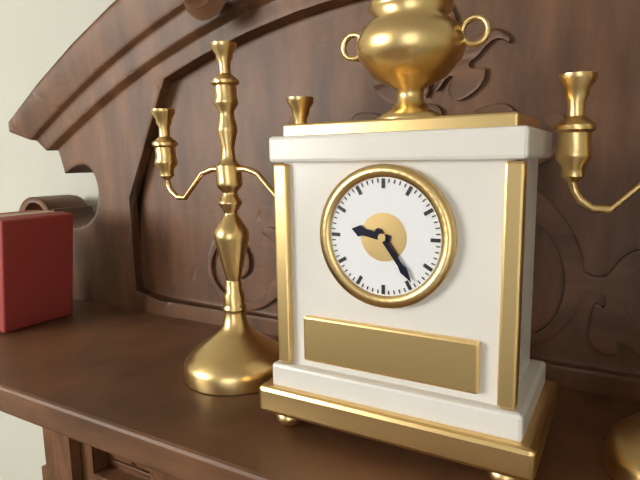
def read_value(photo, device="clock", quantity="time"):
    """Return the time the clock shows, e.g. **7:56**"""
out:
**9:24**
